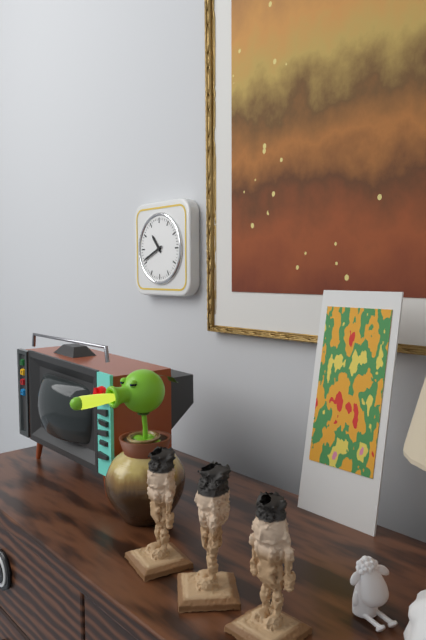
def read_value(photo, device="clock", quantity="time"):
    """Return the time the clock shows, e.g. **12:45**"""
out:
**10:41**
